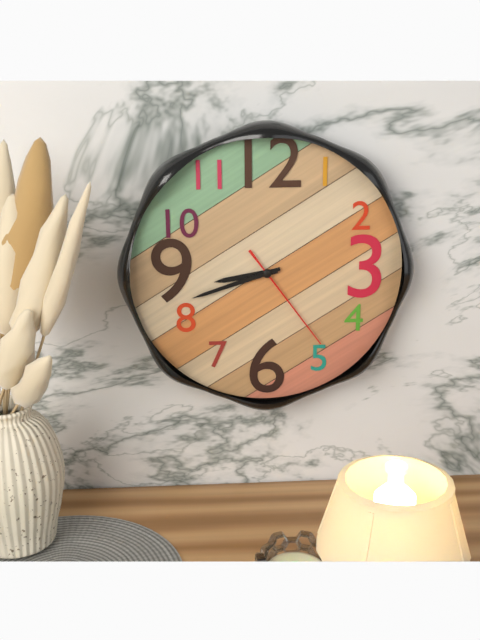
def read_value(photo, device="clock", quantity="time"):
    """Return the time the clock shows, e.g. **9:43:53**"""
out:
**8:42:24**
